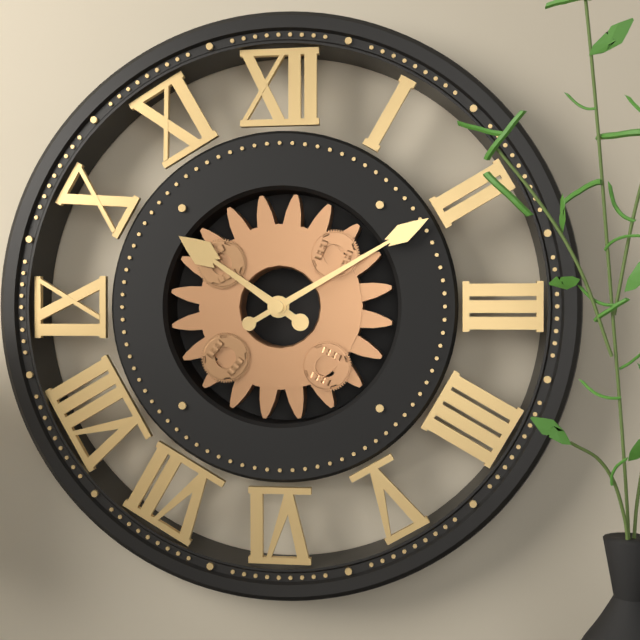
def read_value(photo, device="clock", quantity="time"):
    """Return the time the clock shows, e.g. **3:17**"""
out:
**10:10**
